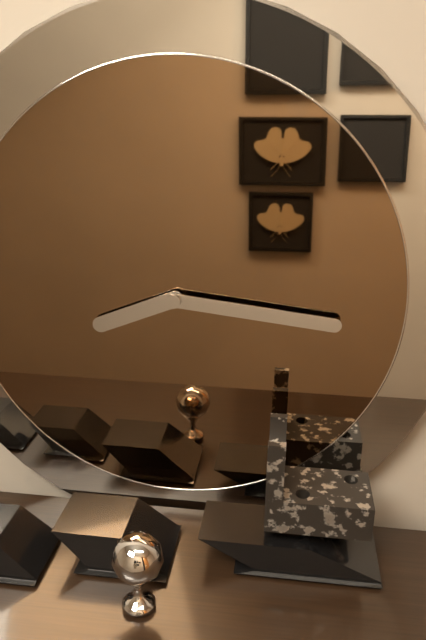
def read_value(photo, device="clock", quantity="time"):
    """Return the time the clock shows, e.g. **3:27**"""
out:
**8:16**
